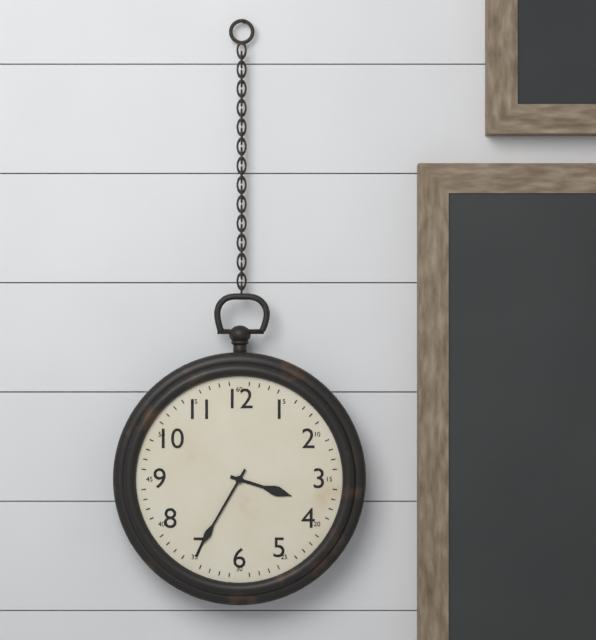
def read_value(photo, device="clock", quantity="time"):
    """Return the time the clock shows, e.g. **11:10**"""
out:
**3:35**
